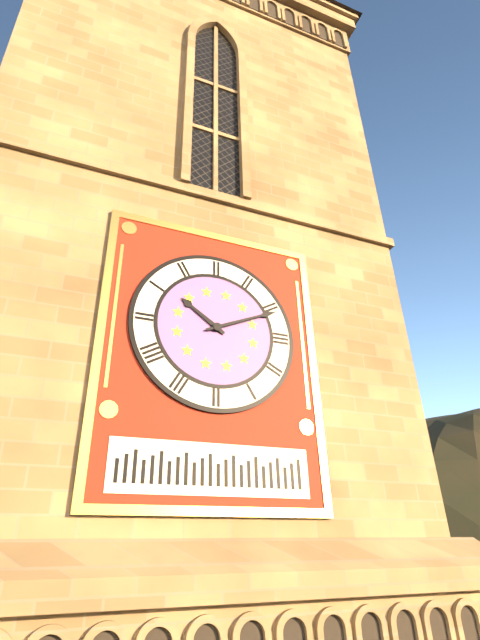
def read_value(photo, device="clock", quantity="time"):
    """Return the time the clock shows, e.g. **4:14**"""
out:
**10:11**
